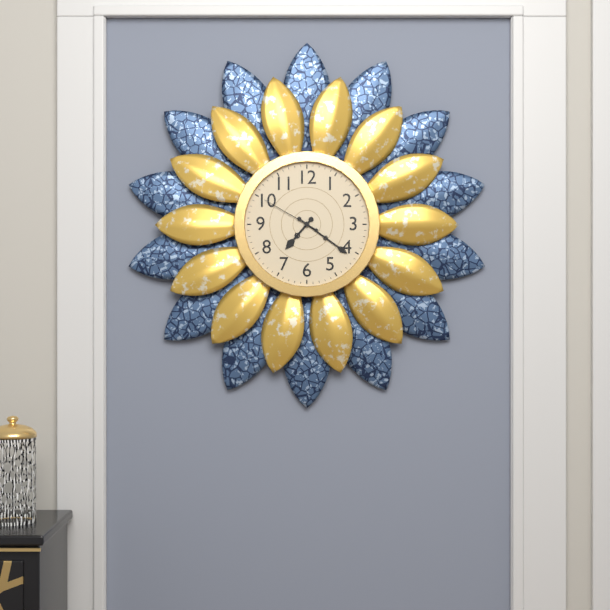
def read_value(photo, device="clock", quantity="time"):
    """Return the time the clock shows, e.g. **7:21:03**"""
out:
**7:21:50**
